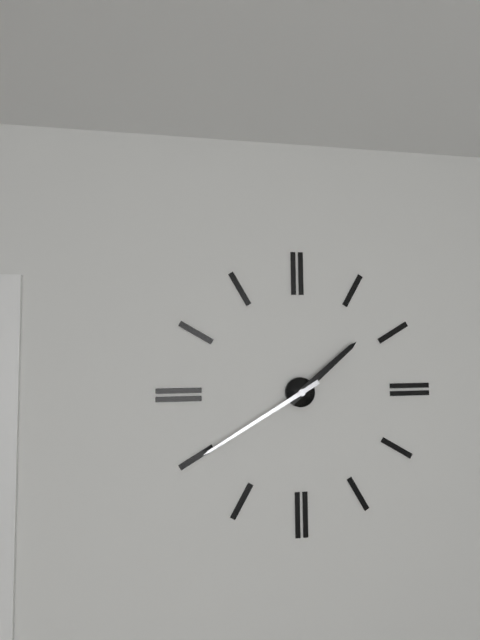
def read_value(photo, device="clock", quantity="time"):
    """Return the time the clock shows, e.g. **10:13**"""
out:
**1:40**
